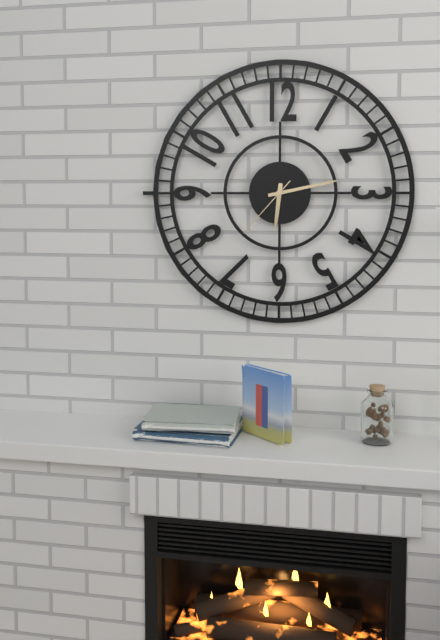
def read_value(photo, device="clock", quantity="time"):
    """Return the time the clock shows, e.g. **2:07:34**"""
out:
**6:13:37**
